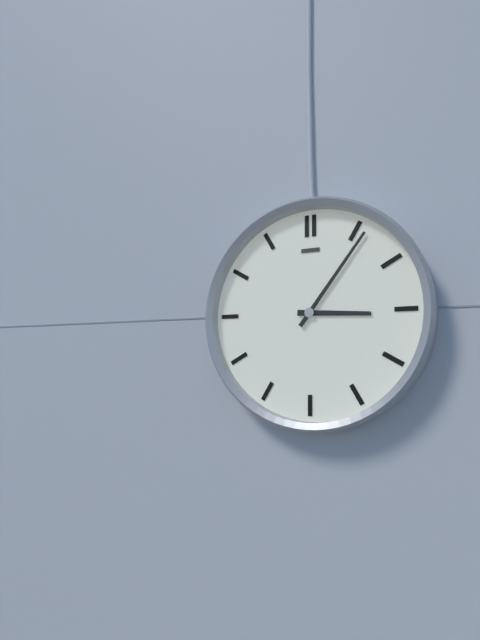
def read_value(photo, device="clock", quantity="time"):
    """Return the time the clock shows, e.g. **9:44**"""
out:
**3:06**
